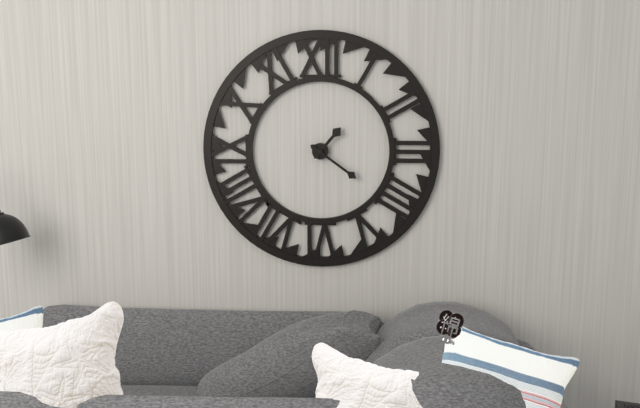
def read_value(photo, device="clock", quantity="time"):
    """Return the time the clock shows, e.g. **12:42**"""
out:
**1:21**
